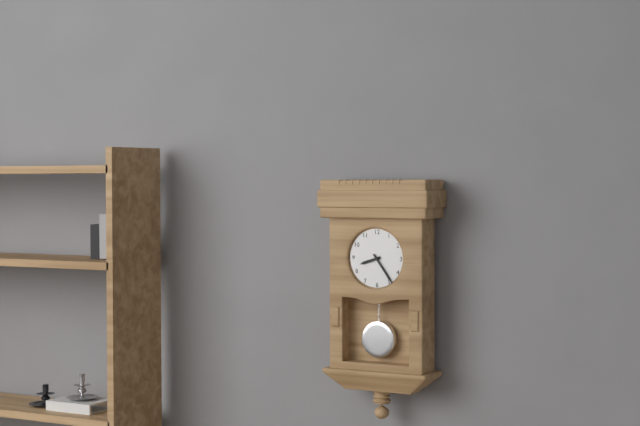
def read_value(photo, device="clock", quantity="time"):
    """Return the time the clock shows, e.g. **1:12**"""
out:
**8:24**
